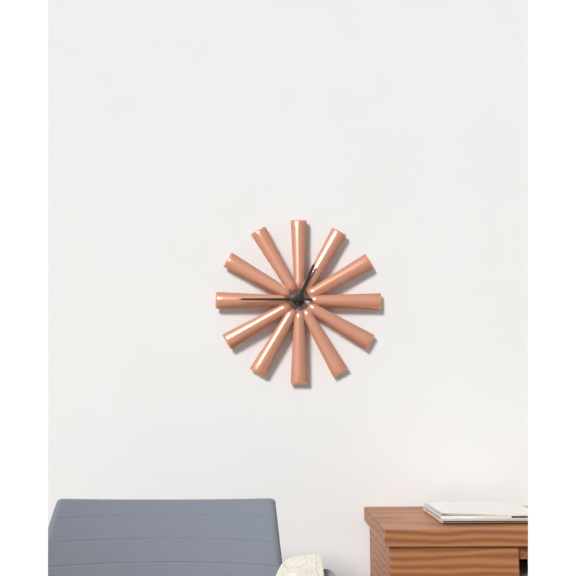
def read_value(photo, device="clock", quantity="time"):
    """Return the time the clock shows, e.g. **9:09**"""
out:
**12:45**
